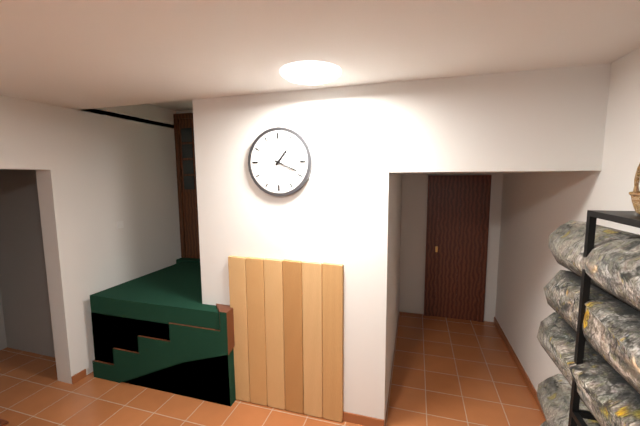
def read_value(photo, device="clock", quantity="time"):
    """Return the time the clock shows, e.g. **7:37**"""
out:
**1:19**
